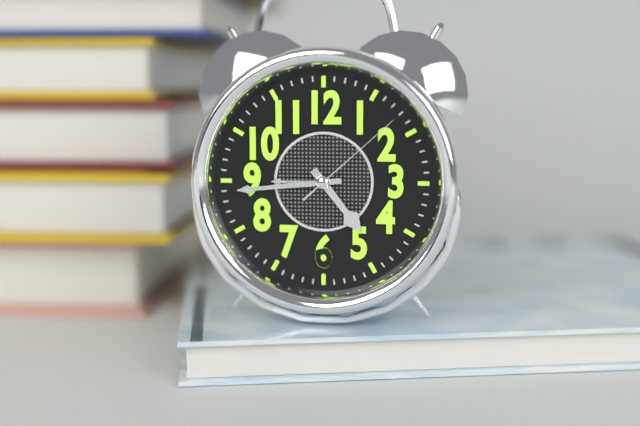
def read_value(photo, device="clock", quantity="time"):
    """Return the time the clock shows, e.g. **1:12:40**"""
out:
**4:44:08**
